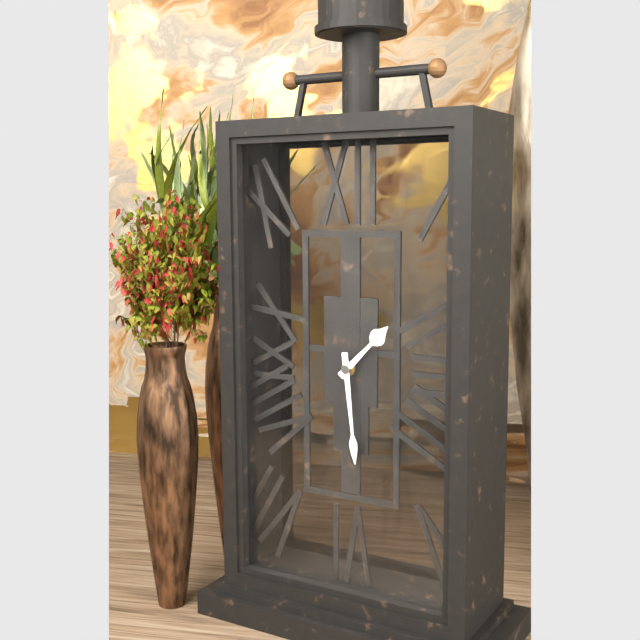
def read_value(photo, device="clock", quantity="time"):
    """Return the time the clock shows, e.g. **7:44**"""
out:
**1:29**
